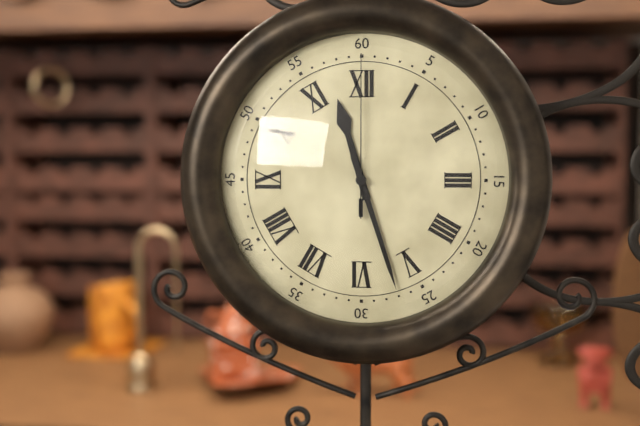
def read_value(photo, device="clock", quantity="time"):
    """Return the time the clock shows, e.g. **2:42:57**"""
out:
**11:27:00**
